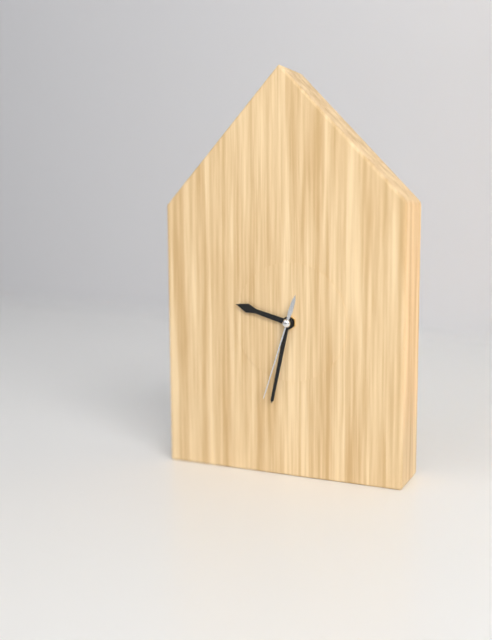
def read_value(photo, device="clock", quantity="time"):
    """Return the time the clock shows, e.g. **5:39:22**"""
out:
**9:32:33**
